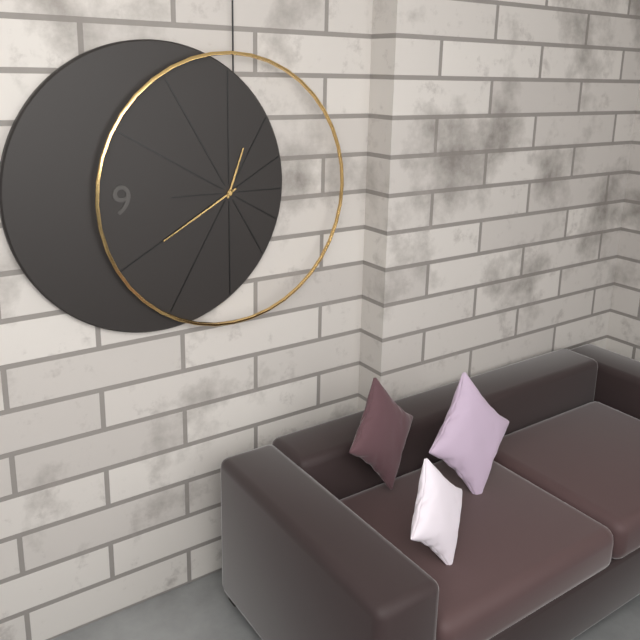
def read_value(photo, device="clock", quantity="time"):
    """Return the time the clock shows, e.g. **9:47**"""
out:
**12:40**
